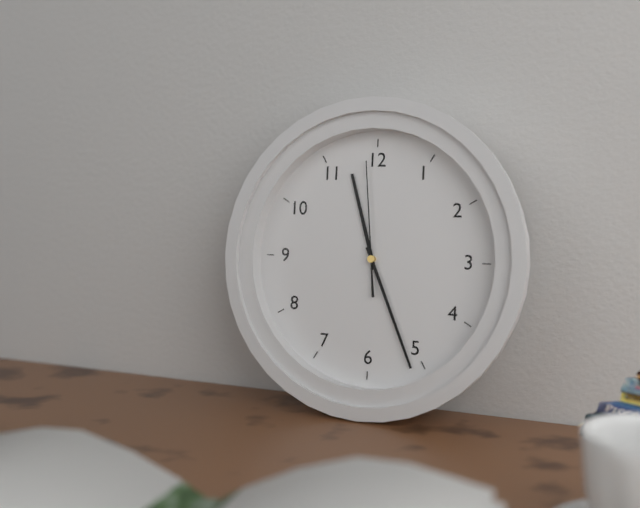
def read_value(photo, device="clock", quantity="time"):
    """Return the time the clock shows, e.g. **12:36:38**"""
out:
**11:26:59**
